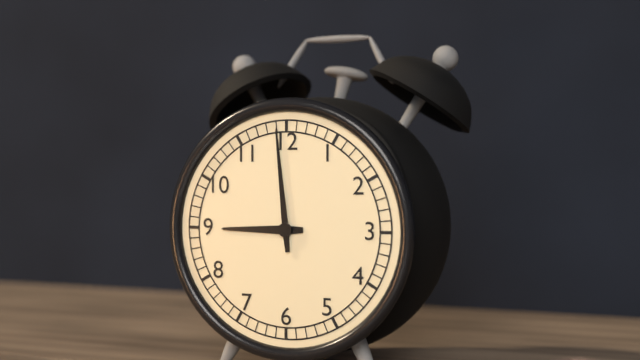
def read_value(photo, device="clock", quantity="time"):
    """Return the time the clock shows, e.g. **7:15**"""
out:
**8:59**
